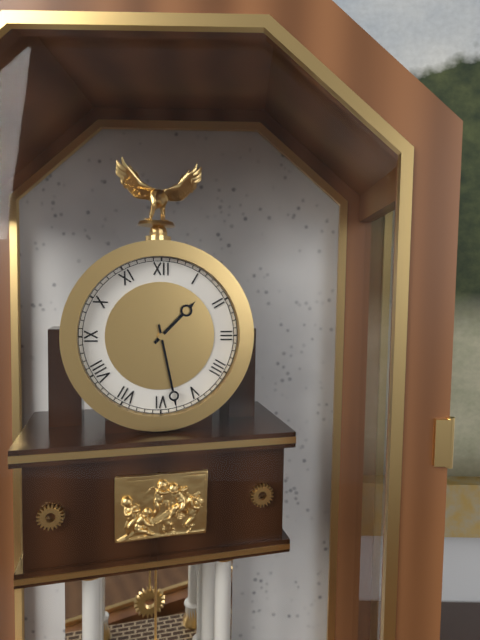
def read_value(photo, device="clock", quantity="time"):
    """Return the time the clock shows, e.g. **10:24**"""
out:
**1:28**
